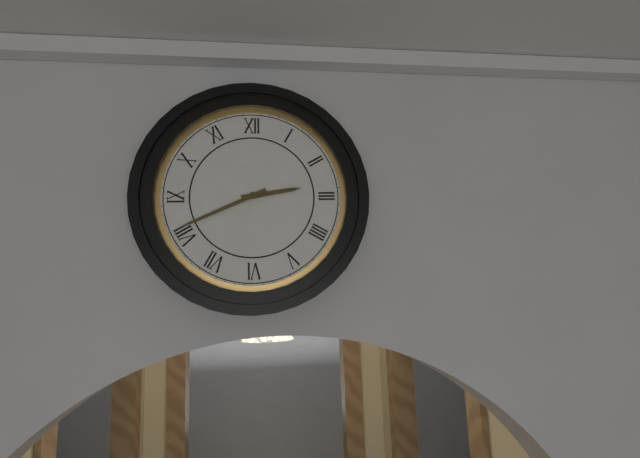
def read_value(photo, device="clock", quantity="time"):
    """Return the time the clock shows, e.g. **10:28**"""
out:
**2:41**
